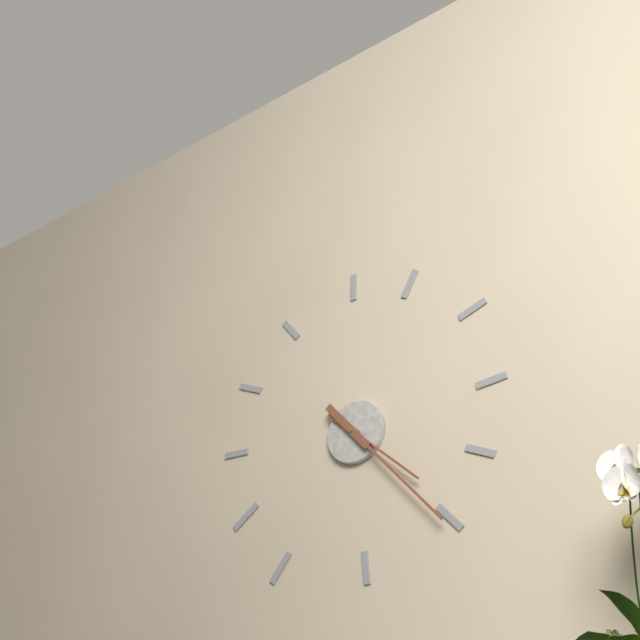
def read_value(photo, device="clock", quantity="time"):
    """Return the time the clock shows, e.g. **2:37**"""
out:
**4:23**
